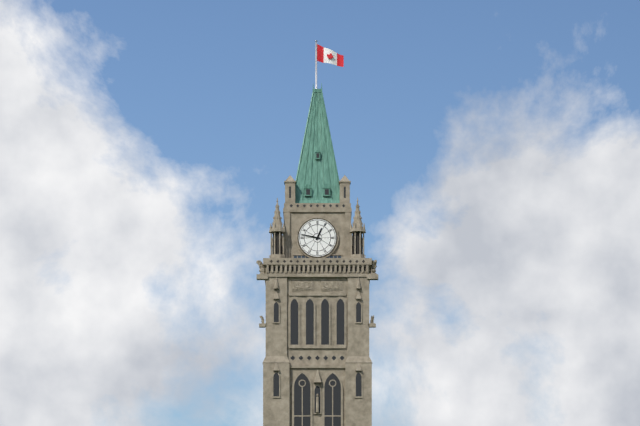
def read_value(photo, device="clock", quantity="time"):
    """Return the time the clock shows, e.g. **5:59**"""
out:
**12:47**
